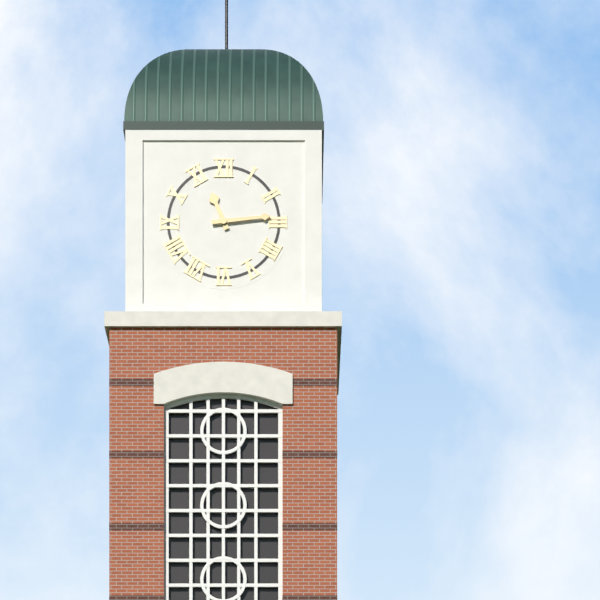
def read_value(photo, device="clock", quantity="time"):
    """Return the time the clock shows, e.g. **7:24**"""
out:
**11:14**
